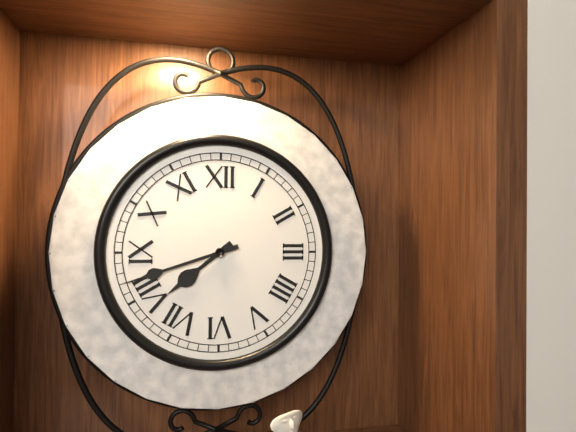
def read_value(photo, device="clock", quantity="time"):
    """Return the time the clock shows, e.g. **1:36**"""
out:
**7:42**
